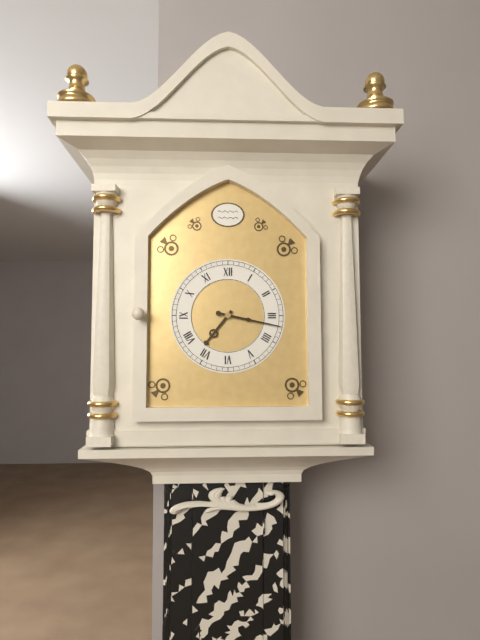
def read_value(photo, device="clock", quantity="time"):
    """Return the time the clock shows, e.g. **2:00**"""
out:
**7:17**
